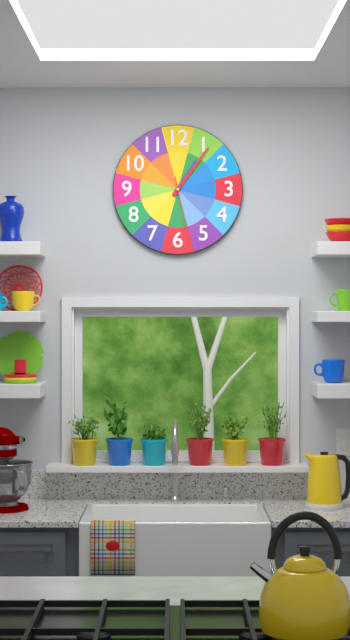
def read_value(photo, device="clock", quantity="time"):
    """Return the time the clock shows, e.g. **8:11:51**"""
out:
**1:06:28**
